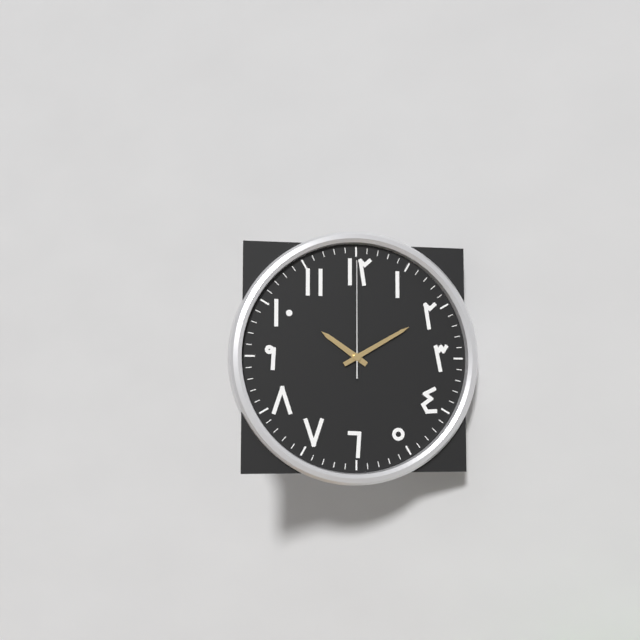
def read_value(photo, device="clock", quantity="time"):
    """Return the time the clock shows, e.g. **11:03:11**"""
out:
**10:10:00**
